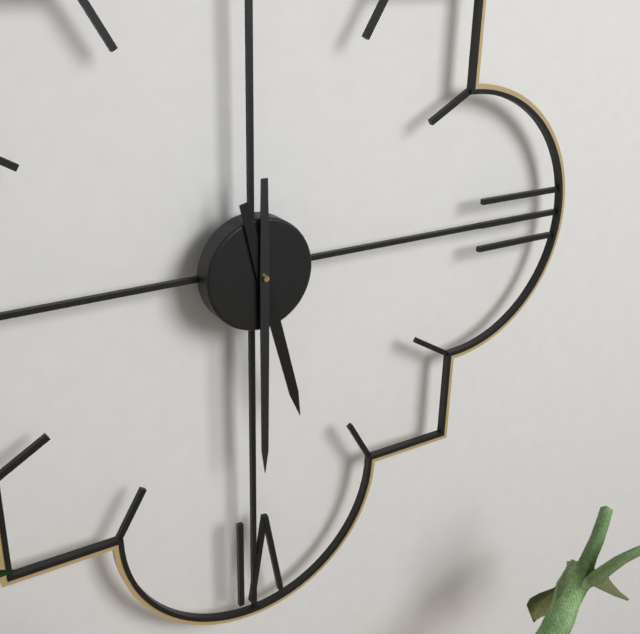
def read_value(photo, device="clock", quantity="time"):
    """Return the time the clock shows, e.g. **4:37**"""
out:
**5:30**
